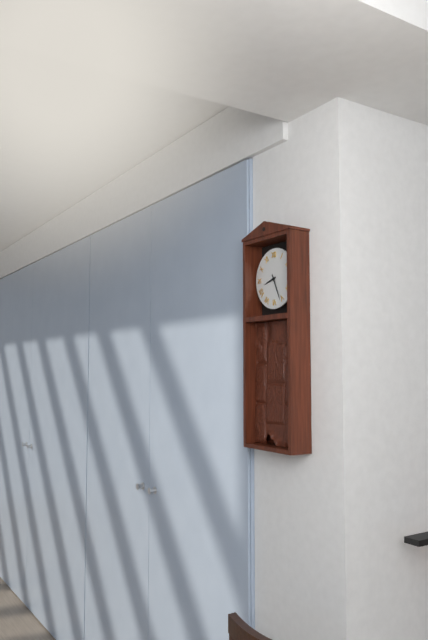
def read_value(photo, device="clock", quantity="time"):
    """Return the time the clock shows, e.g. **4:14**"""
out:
**8:26**
